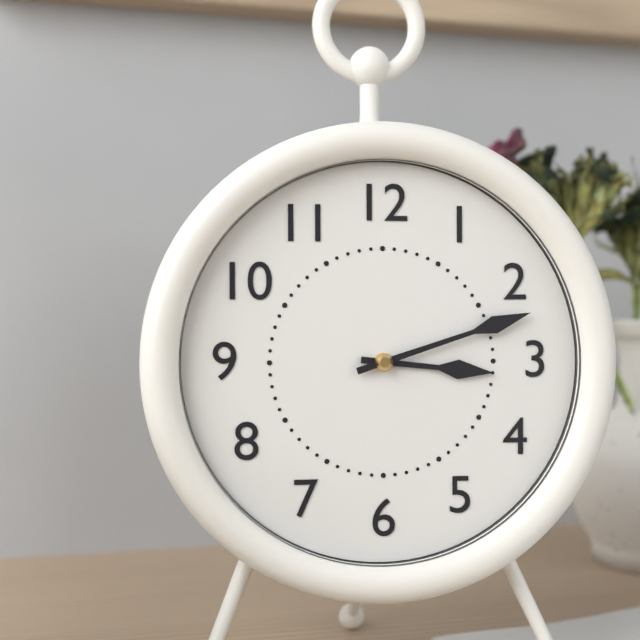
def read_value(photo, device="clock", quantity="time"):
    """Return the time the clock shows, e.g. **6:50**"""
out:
**3:12**
